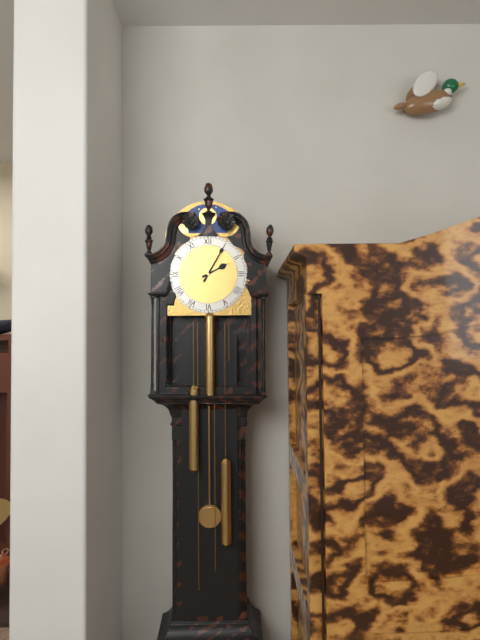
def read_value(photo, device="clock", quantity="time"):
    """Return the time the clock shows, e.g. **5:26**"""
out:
**2:05**
